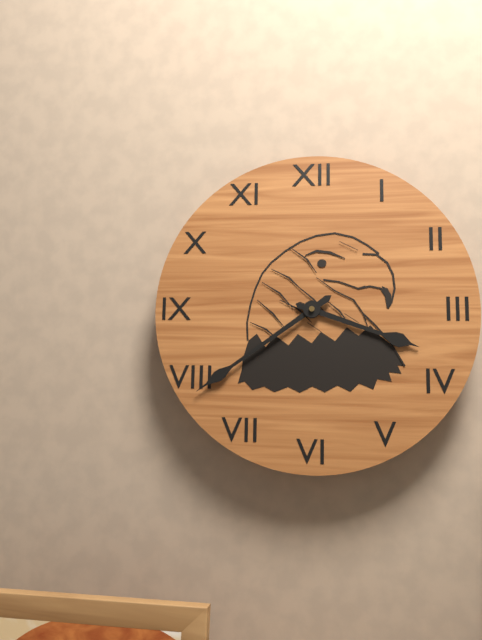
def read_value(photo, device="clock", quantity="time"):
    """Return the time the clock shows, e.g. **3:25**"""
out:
**3:39**
